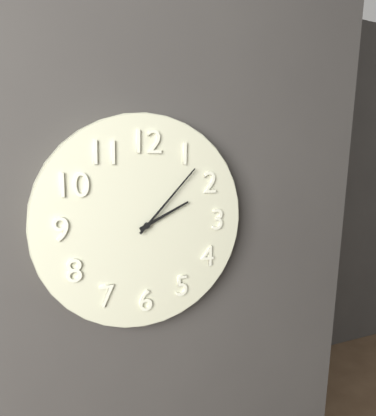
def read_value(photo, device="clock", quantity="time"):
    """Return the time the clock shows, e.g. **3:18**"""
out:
**2:07**
